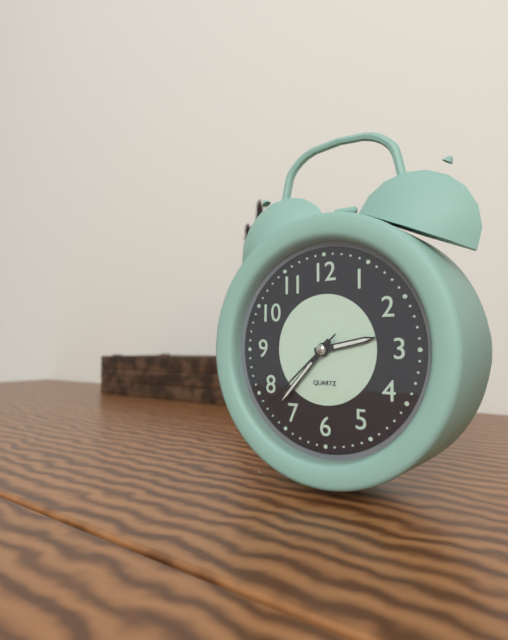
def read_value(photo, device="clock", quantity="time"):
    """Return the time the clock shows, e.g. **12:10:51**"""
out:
**2:37:38**
